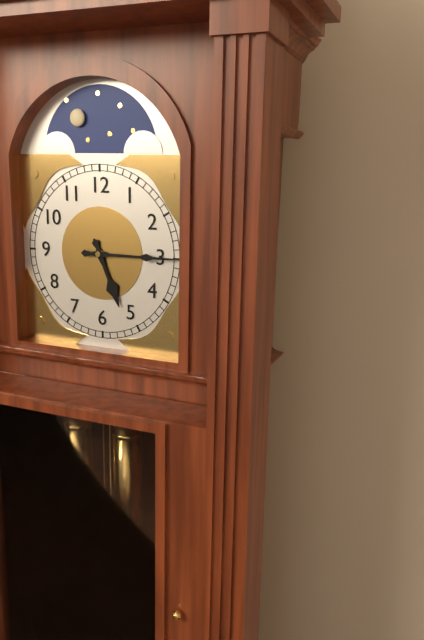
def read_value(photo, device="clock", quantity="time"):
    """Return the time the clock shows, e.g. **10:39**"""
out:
**5:15**
